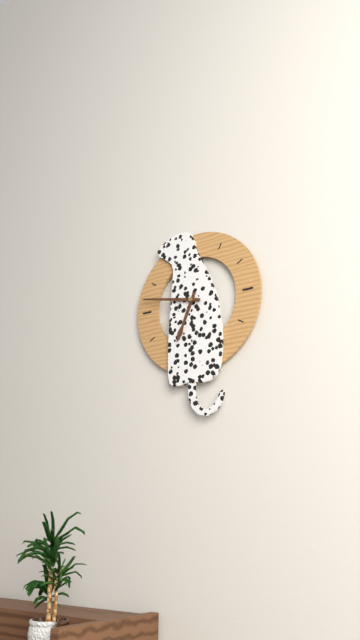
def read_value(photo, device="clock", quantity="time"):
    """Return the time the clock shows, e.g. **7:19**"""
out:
**6:47**
